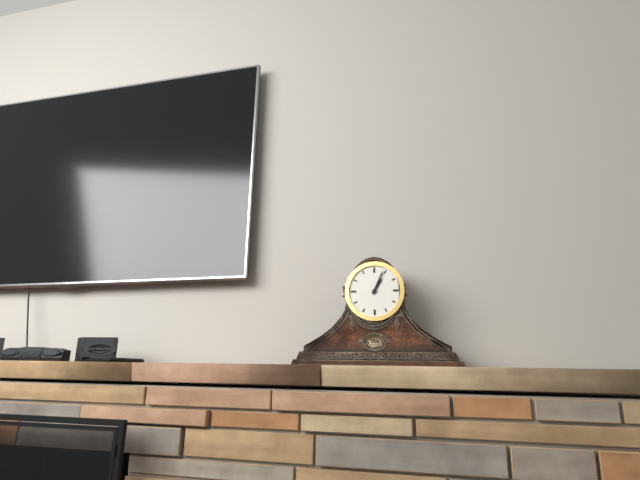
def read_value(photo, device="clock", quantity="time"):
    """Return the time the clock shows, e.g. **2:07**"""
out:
**1:04**
